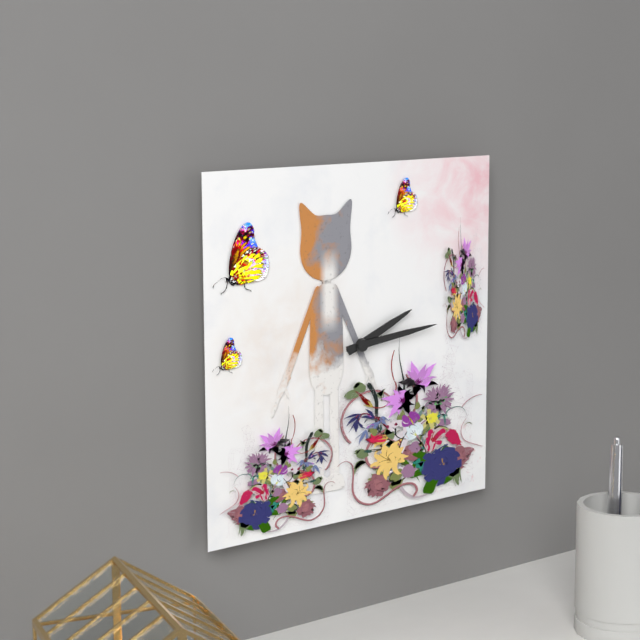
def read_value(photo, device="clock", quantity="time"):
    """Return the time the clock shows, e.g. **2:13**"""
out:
**2:14**
